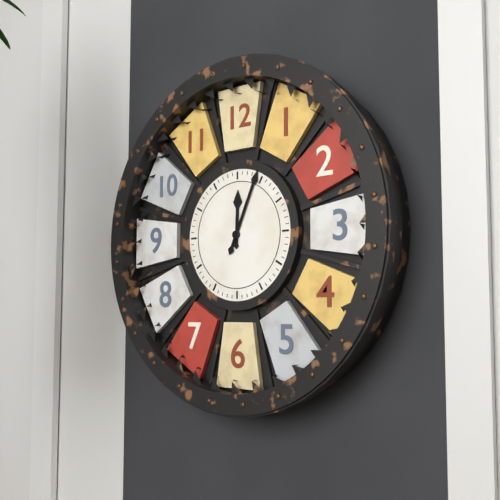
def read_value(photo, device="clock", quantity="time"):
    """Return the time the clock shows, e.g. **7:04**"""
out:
**12:04**
